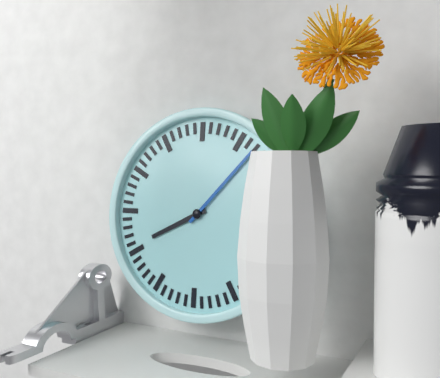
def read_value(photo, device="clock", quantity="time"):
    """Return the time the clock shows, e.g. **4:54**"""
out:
**8:07**
